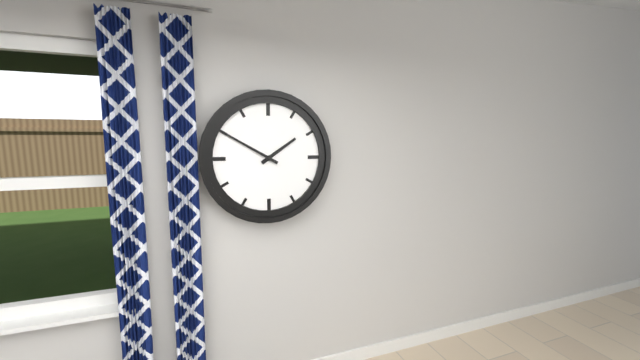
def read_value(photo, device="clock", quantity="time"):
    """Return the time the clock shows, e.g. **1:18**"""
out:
**1:50**
